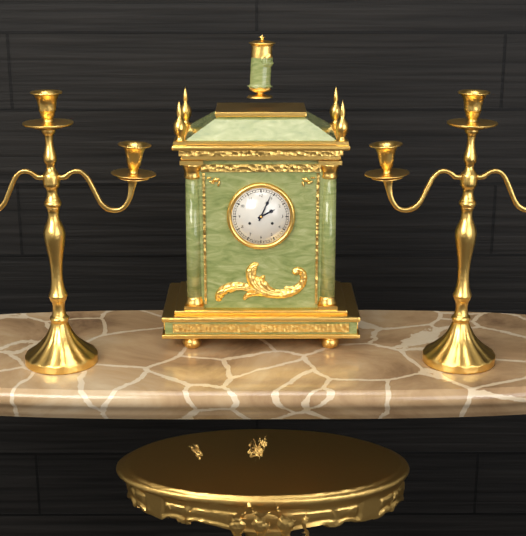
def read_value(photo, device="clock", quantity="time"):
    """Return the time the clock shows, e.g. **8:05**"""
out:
**2:04**
